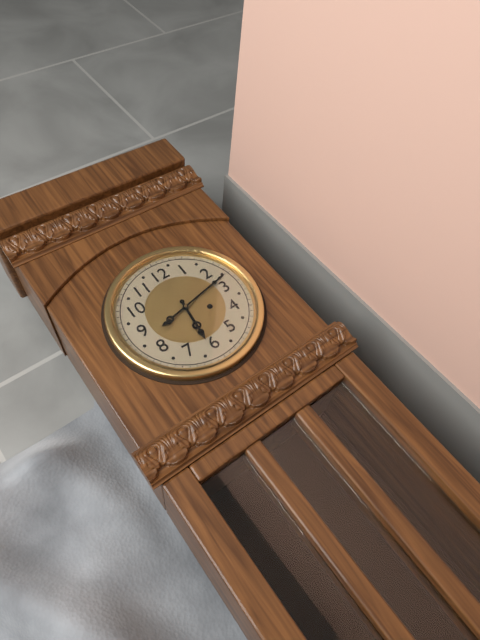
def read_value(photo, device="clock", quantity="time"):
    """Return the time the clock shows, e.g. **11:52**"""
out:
**6:13**
